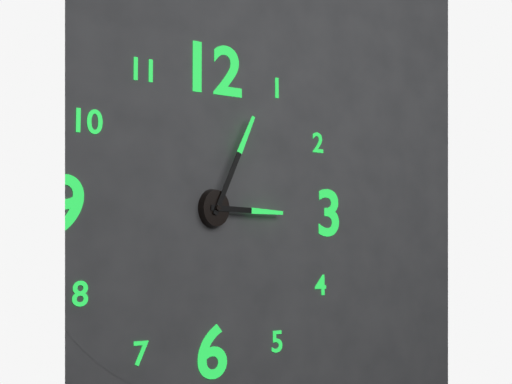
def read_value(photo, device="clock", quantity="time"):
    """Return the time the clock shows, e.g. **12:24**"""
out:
**3:04**
